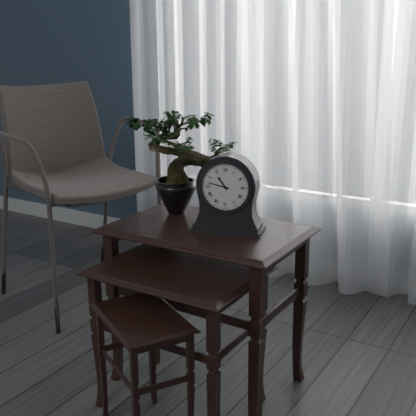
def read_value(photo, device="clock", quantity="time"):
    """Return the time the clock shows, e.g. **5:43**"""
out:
**10:47**
